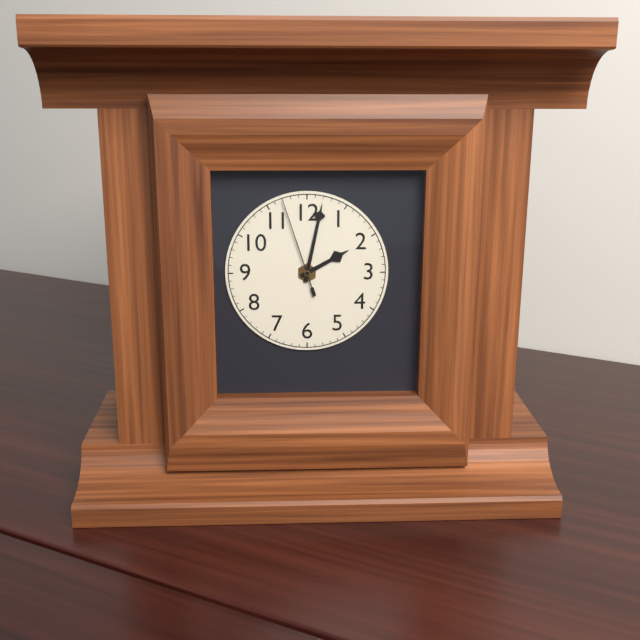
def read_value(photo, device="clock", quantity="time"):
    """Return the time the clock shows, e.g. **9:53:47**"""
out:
**2:02:57**
